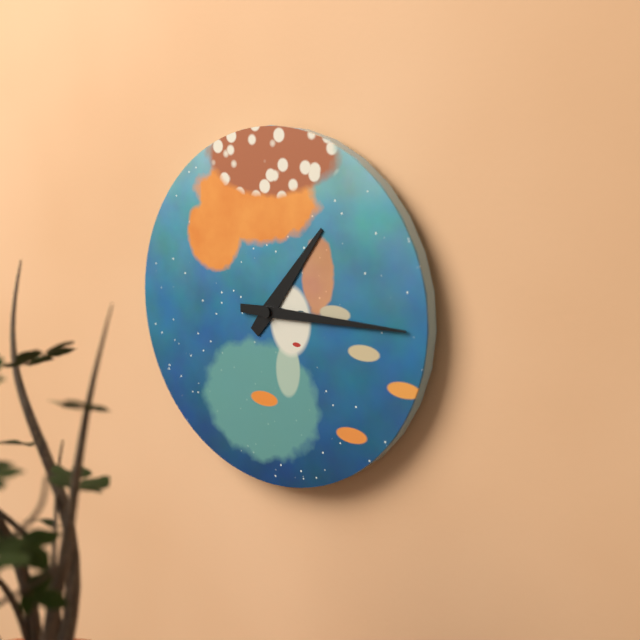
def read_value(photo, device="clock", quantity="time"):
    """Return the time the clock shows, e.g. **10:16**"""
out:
**1:15**
